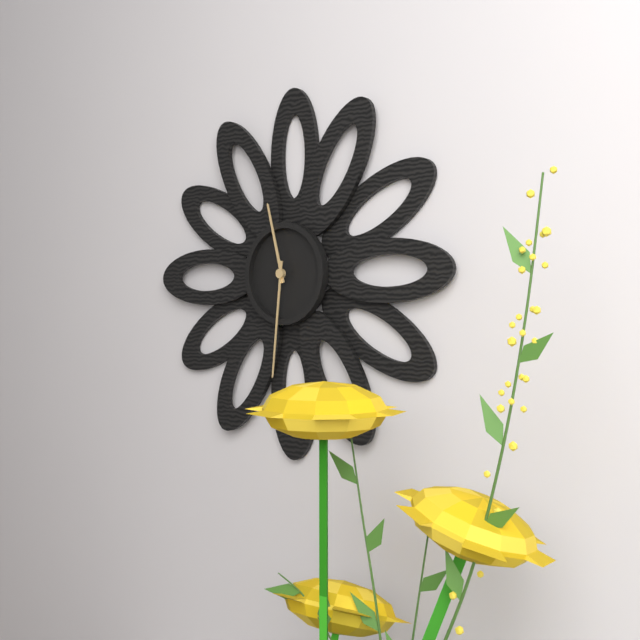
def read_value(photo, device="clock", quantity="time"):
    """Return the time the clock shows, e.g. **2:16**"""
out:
**11:31**
